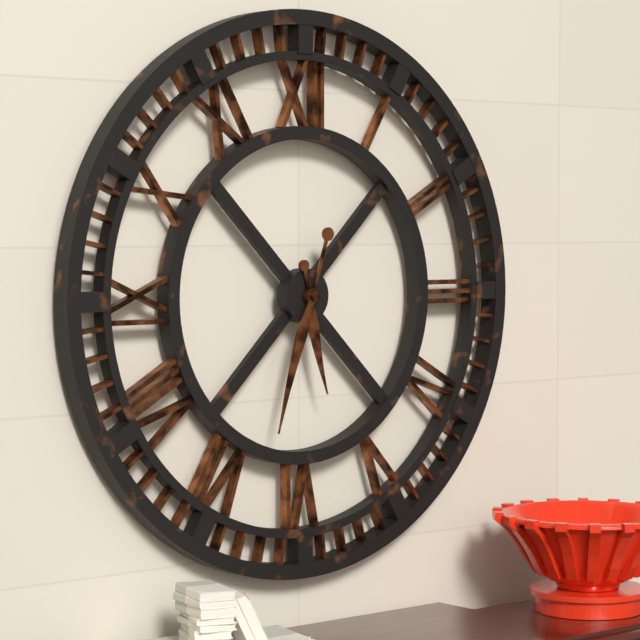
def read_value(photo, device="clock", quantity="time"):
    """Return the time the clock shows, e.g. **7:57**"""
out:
**5:33**
